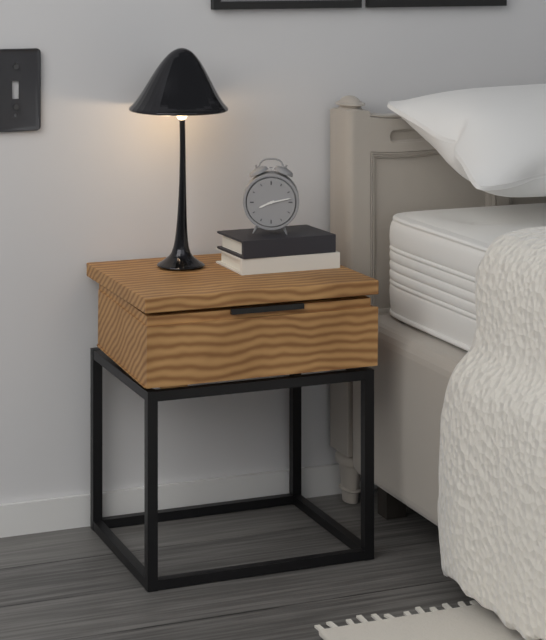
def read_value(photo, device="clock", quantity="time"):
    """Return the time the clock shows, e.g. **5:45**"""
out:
**8:13**
